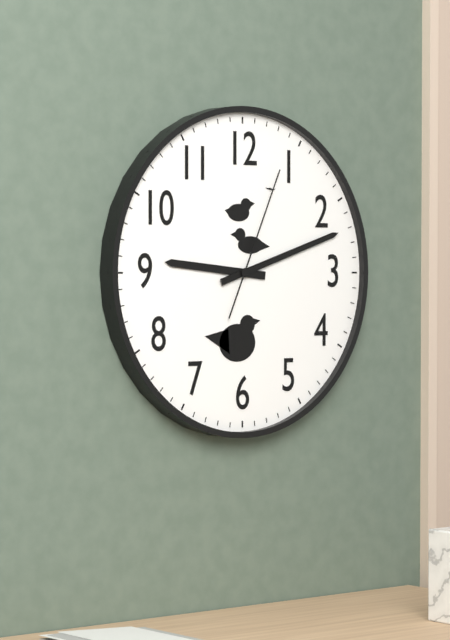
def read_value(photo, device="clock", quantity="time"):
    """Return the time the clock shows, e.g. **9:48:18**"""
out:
**9:12:04**
